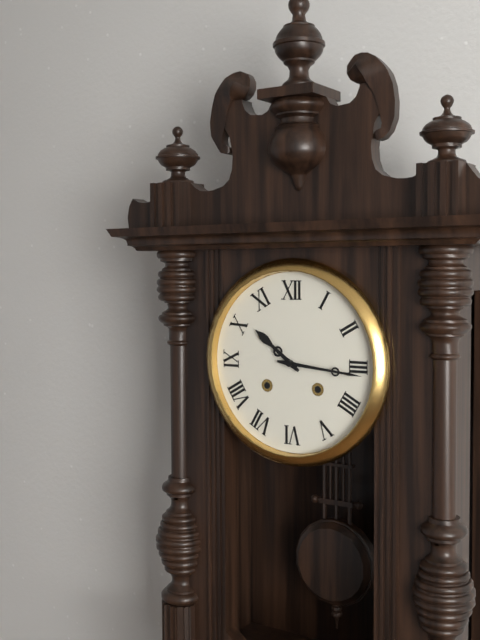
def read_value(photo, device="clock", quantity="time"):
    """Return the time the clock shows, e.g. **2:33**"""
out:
**10:16**
